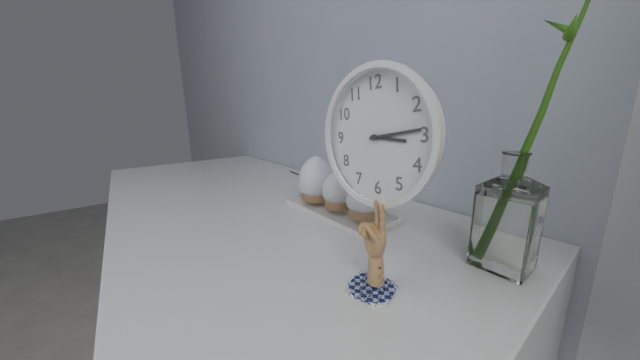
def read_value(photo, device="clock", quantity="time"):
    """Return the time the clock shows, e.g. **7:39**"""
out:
**3:14**
